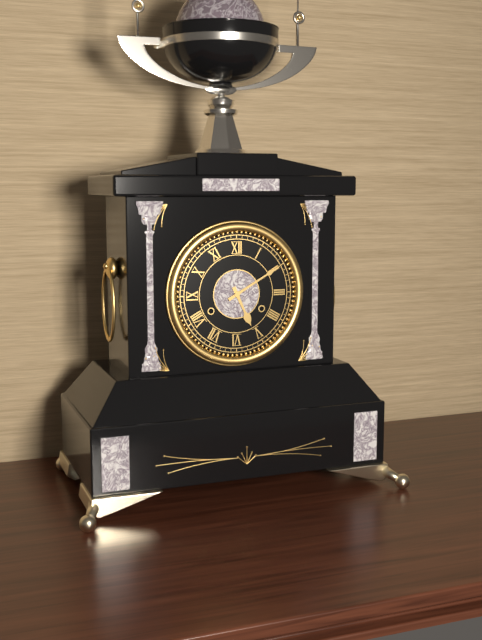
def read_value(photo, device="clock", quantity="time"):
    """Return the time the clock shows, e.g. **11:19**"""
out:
**5:10**
